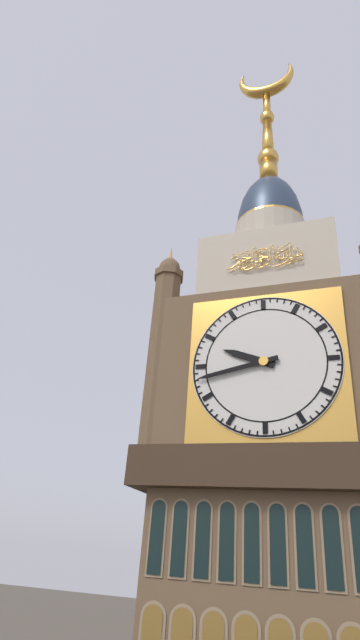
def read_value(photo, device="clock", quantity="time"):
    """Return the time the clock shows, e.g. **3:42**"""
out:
**9:43**
